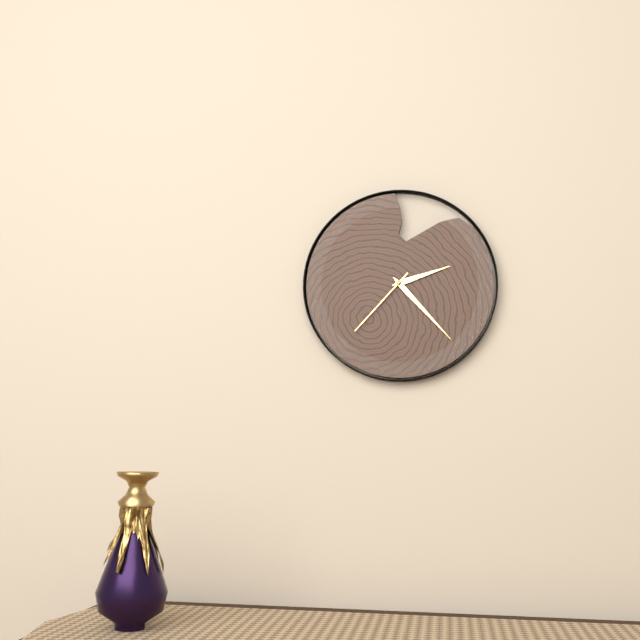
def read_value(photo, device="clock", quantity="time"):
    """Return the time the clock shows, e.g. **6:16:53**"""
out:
**2:23:37**
